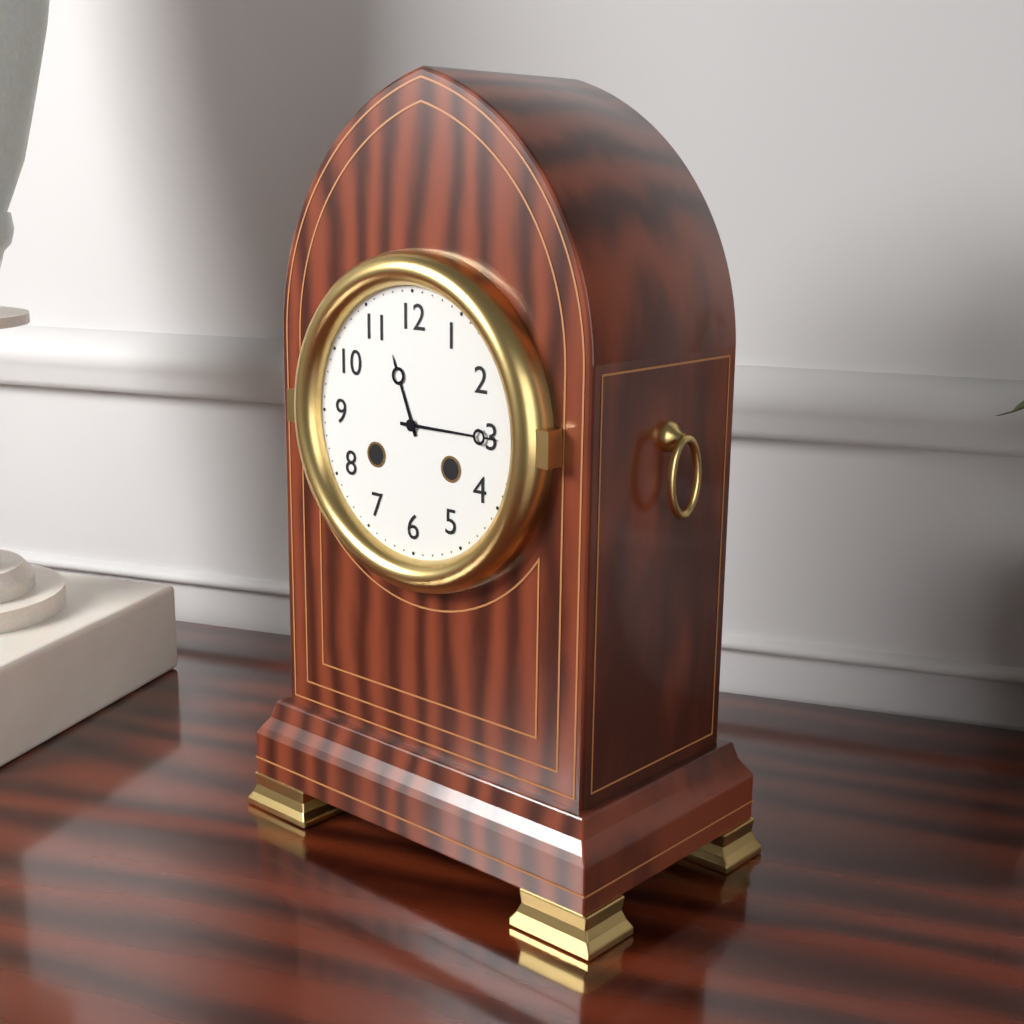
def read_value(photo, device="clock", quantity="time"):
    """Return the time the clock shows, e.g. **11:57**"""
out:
**11:15**
